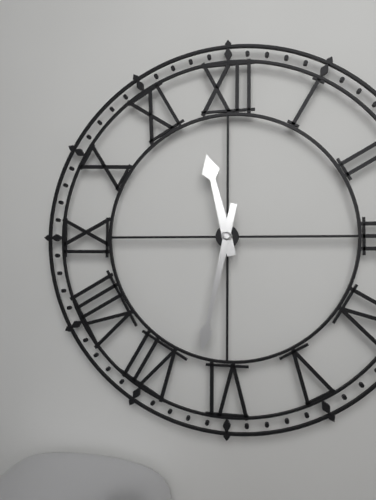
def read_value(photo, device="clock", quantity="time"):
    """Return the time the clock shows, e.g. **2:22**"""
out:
**11:32**
